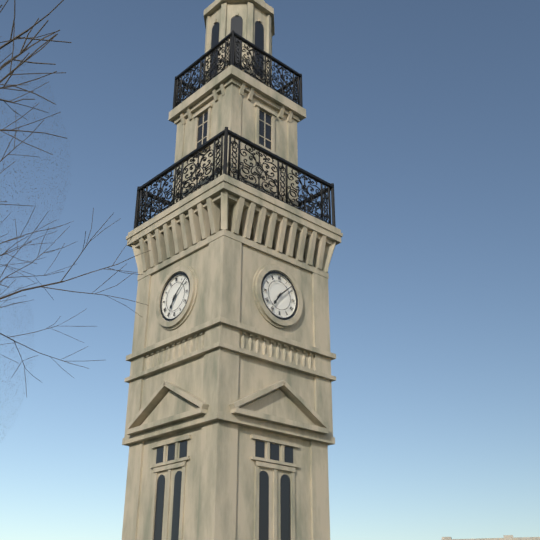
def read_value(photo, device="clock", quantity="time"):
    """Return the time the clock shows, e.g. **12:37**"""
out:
**7:08**
